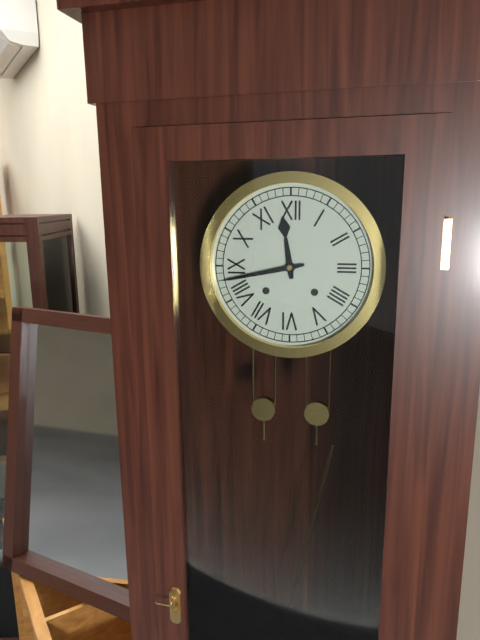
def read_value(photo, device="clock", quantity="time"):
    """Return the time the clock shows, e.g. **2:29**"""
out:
**11:43**
